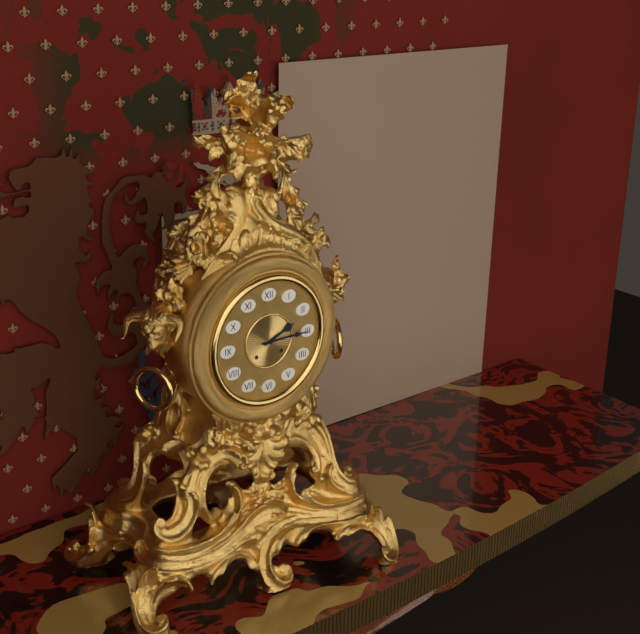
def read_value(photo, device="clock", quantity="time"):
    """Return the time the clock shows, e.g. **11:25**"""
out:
**2:15**
